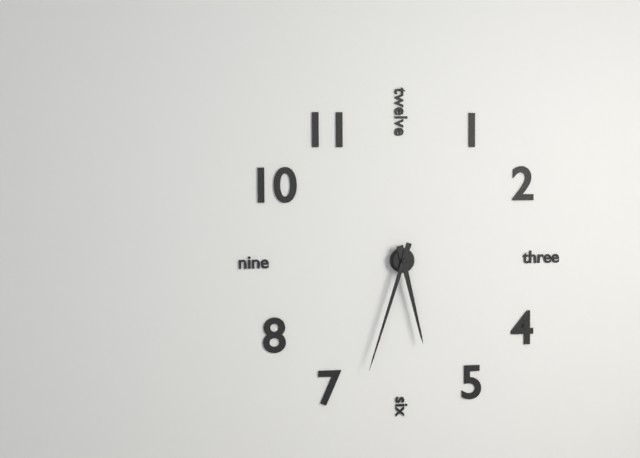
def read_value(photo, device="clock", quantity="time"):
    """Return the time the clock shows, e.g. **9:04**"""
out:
**5:33**
